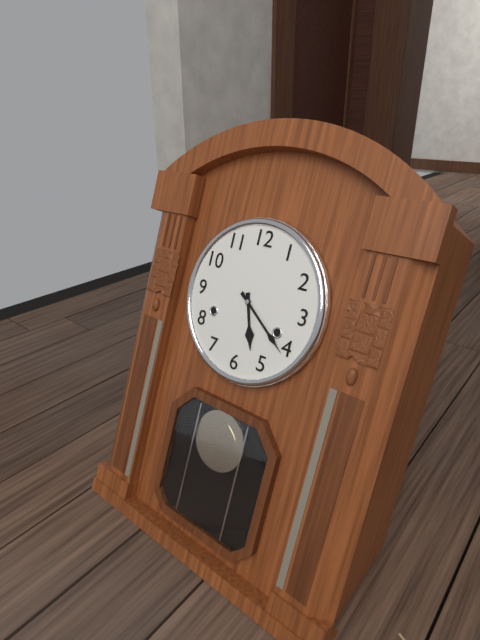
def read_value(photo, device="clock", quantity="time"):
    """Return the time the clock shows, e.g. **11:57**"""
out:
**5:21**
